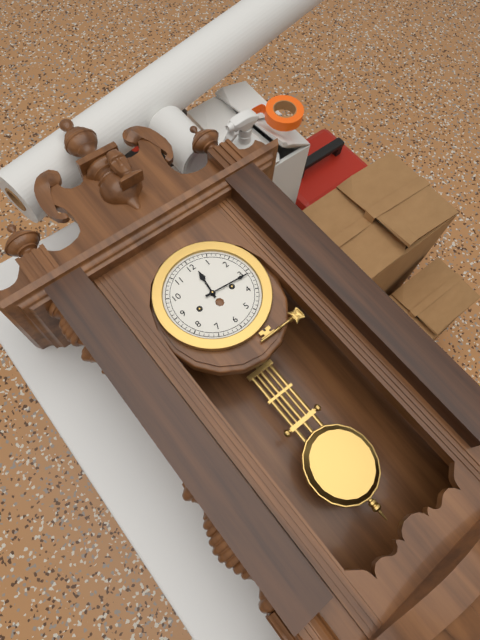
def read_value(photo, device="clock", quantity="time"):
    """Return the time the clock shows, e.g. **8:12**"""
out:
**12:16**
